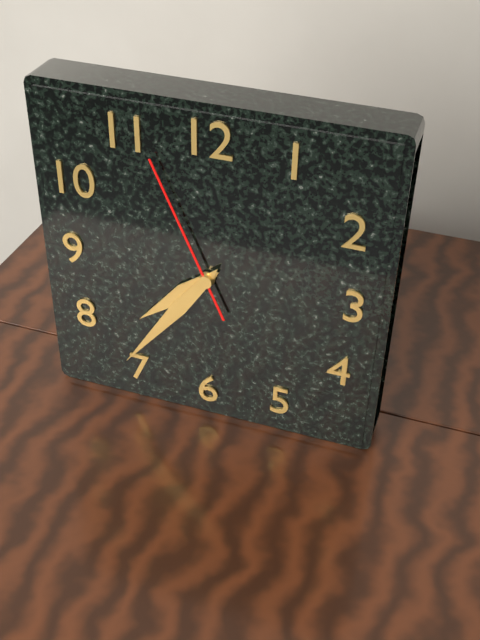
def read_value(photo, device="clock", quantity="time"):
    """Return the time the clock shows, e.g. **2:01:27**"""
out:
**7:36:56**
